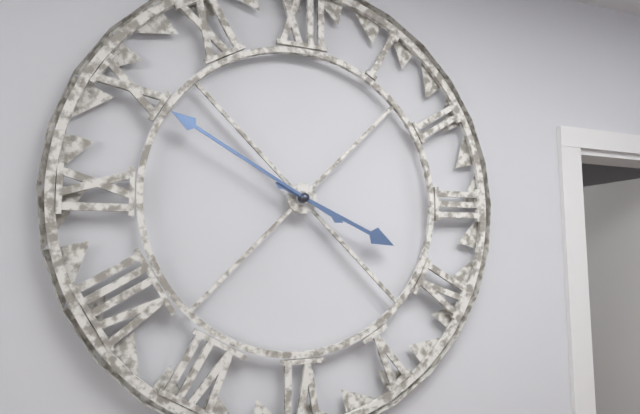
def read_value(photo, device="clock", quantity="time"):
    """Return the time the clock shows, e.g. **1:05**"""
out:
**3:50**
